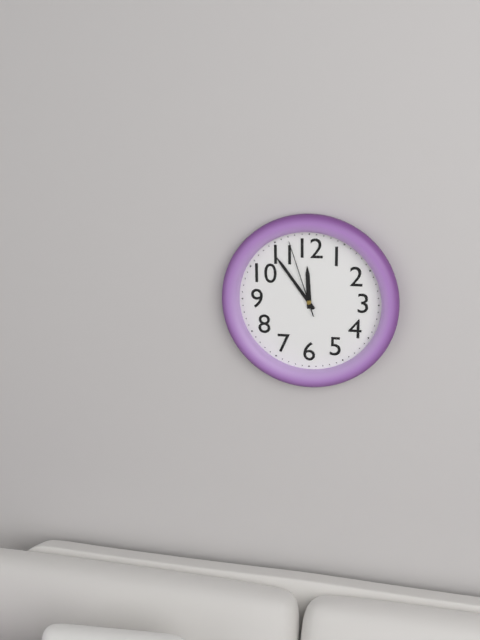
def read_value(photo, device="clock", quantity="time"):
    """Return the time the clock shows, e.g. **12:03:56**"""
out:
**11:54:57**
